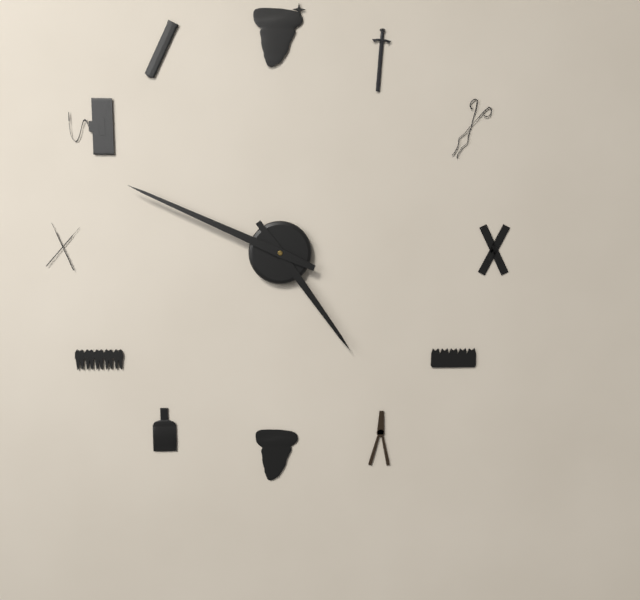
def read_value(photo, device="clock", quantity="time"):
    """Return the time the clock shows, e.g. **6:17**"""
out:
**4:49**
